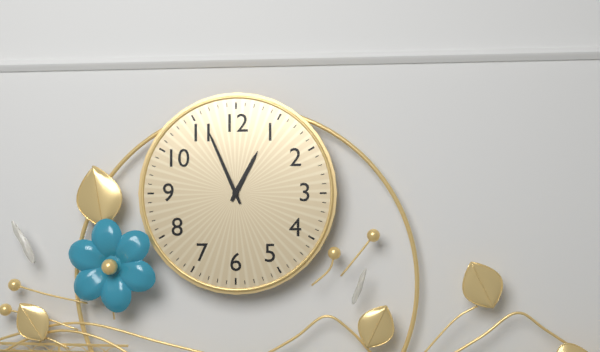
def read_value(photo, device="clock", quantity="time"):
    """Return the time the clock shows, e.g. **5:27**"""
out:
**12:56**
